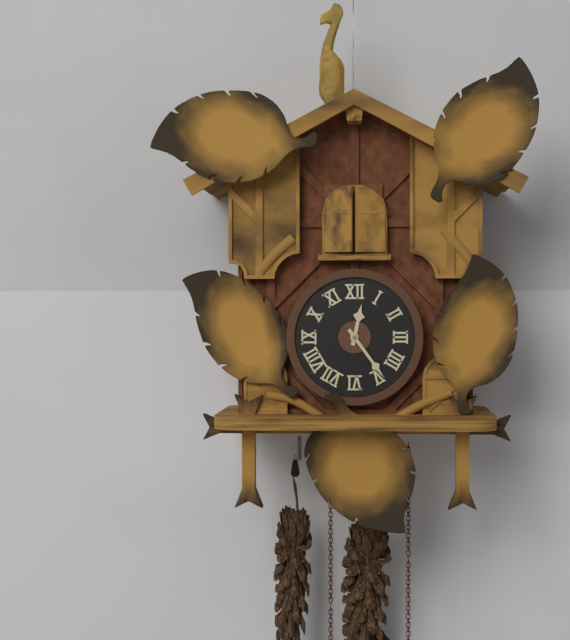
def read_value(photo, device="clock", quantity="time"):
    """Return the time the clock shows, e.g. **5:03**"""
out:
**12:24**
